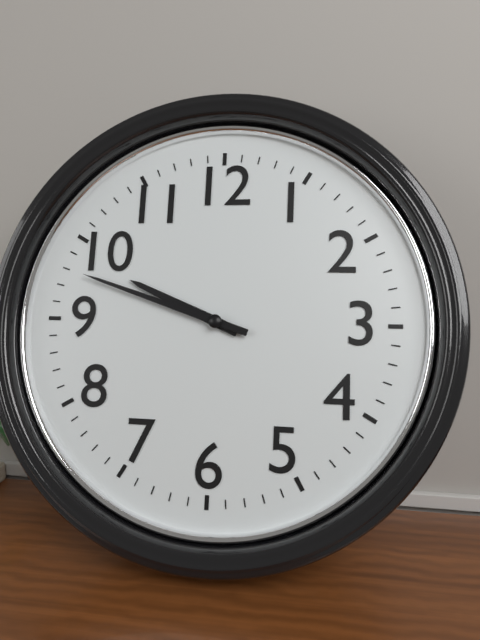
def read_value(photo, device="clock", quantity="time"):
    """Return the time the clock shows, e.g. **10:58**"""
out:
**9:48**
